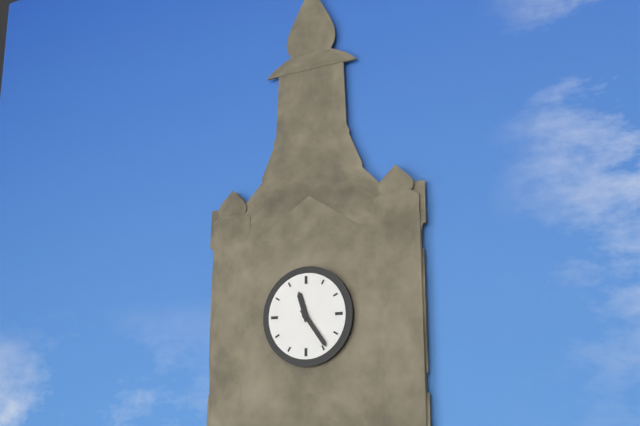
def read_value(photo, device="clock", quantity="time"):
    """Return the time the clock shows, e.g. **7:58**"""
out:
**11:24**
